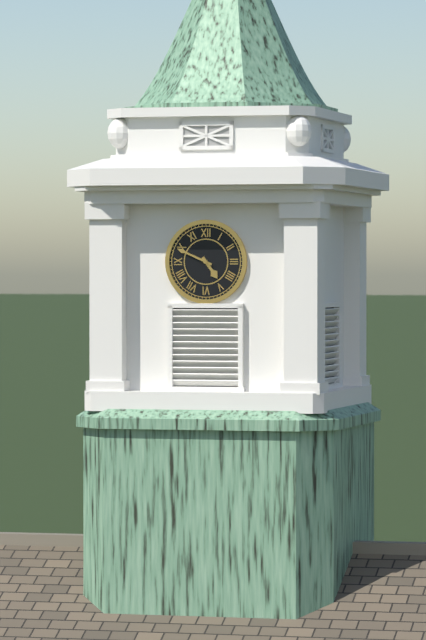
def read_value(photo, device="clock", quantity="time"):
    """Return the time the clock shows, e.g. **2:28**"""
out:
**4:49**
